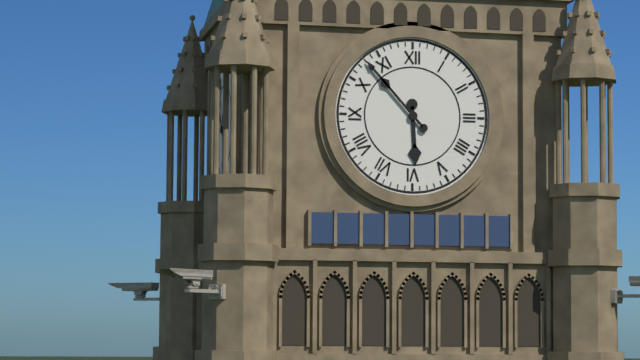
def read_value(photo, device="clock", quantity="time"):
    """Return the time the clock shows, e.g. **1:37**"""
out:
**5:53**
